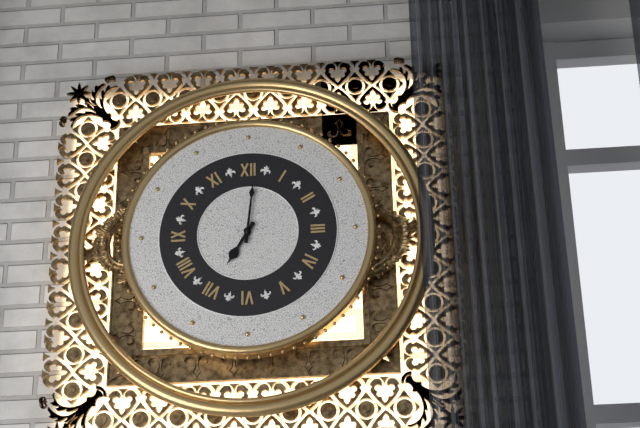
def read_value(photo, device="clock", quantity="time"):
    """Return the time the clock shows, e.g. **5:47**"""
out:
**7:01**
